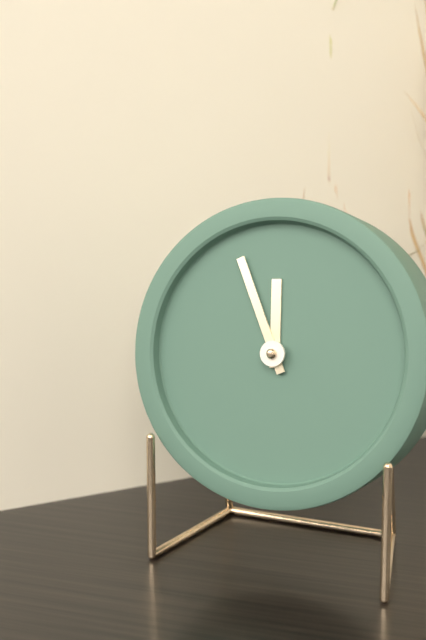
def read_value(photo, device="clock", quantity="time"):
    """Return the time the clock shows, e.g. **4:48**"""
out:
**11:56**
